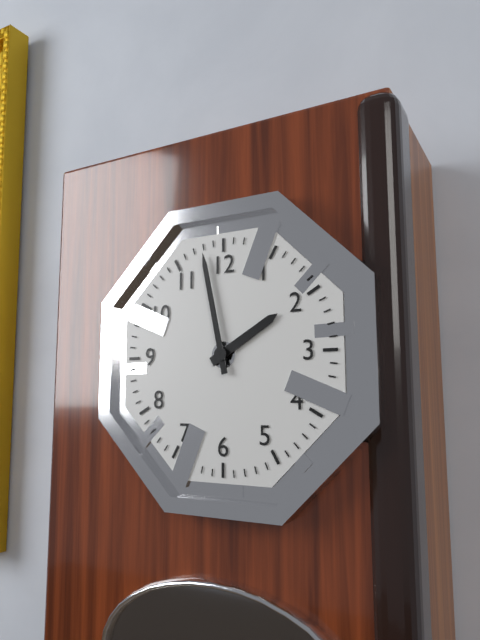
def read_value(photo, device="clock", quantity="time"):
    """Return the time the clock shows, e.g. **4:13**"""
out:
**1:58**
